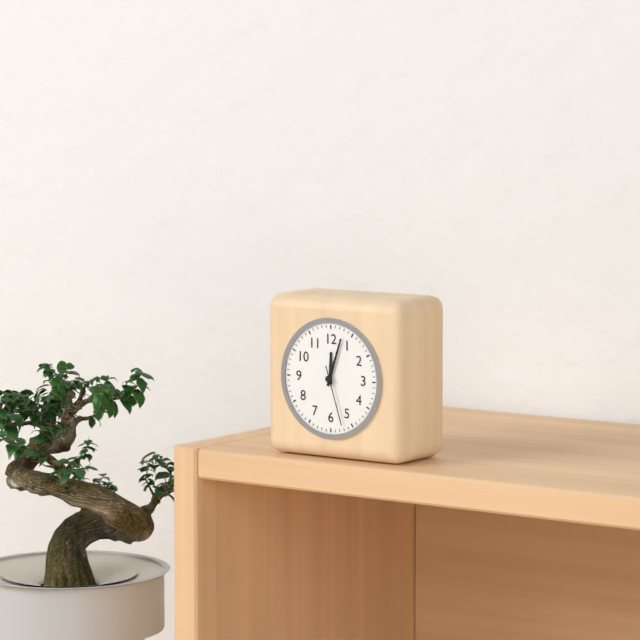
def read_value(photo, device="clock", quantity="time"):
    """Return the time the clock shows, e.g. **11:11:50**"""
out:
**12:03:27**
